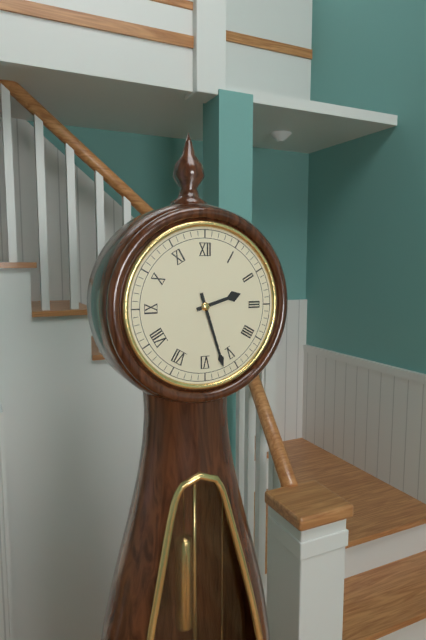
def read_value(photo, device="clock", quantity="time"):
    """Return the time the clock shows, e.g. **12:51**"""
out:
**2:27**
